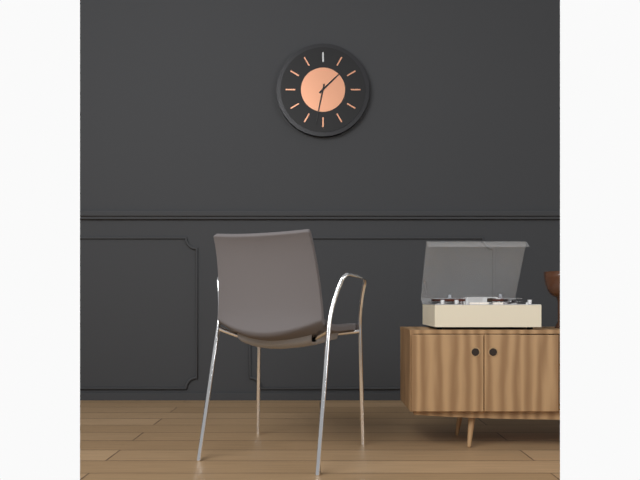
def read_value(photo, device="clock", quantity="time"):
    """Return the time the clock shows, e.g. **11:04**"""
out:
**1:32**
